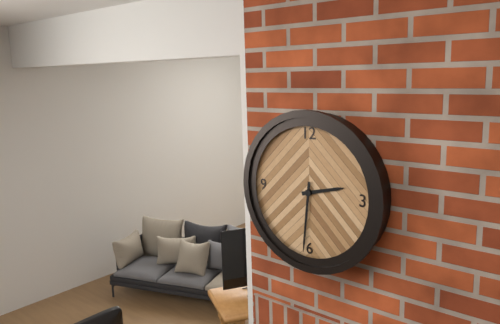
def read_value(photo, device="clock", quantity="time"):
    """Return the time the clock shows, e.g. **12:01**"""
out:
**2:31**
